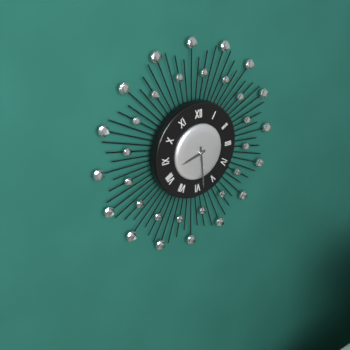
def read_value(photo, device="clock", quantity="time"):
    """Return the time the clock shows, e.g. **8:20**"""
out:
**8:29**
